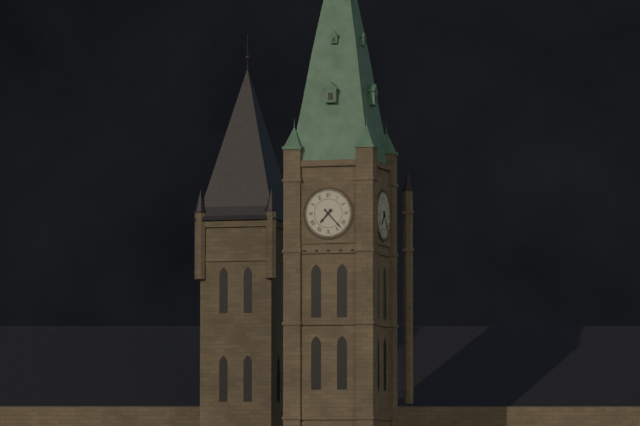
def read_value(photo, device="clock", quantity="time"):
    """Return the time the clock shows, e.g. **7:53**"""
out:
**7:23**
